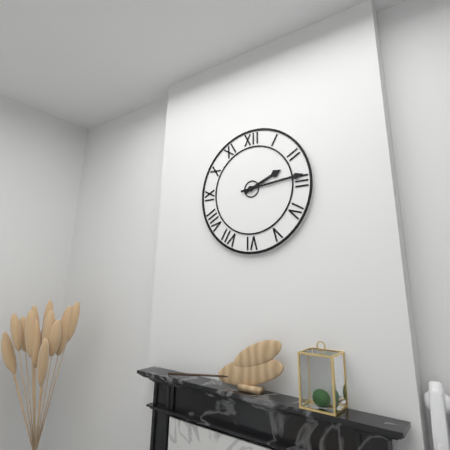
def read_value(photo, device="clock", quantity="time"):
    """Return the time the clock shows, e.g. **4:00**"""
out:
**2:14**
